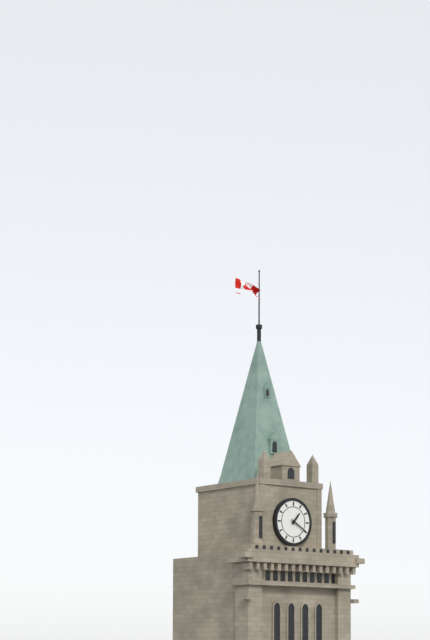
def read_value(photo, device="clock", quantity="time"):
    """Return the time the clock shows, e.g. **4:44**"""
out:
**1:20**
